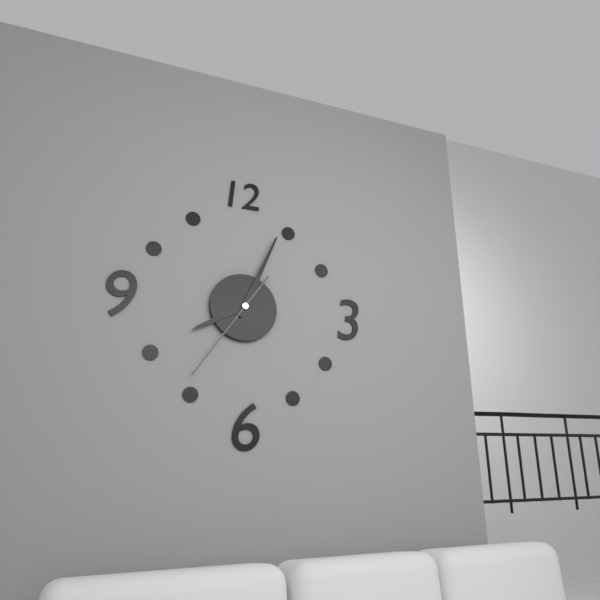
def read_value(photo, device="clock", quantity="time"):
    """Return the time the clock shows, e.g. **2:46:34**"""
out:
**8:04:36**
